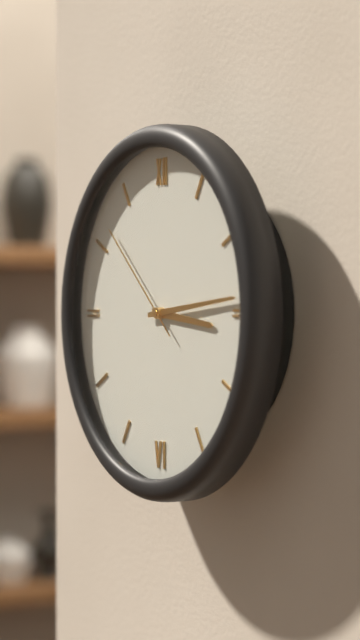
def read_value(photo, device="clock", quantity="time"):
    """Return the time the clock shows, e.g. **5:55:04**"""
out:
**3:14:52**
